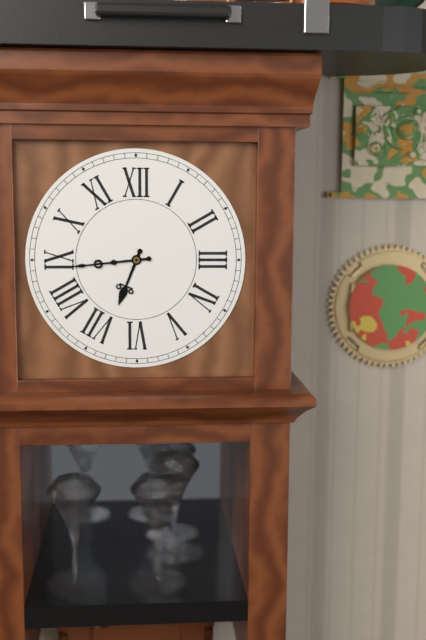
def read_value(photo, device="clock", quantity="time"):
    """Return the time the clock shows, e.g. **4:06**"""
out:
**6:44**
